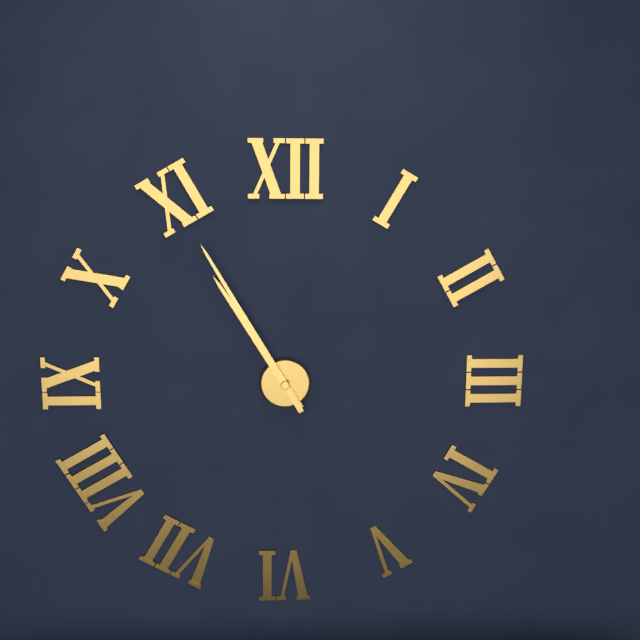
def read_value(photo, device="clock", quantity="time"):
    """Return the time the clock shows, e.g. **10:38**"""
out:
**10:55**
